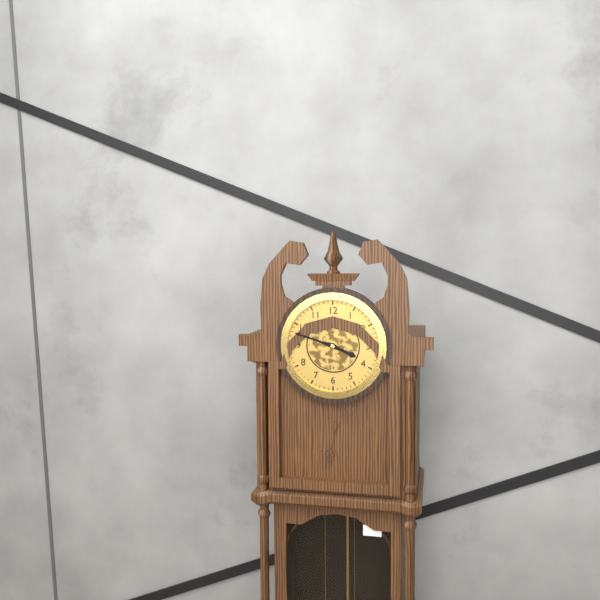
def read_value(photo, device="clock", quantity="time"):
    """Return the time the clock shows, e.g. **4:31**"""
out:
**3:48**
